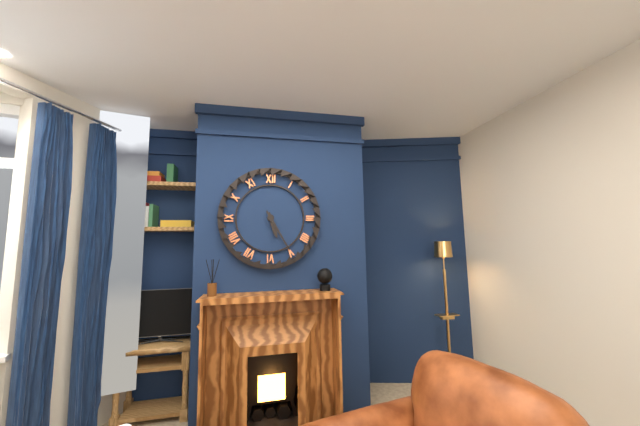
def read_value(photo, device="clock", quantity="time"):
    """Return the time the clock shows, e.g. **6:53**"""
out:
**5:25**
